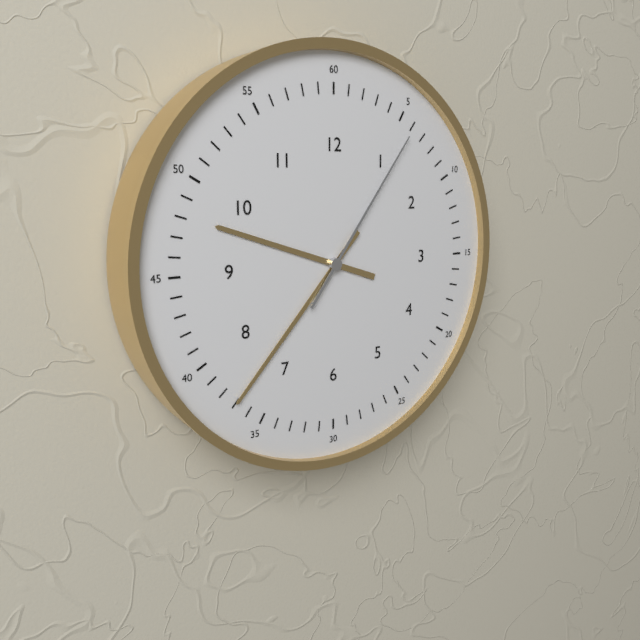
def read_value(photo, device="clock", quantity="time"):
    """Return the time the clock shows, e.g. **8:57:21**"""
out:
**9:37:06**
